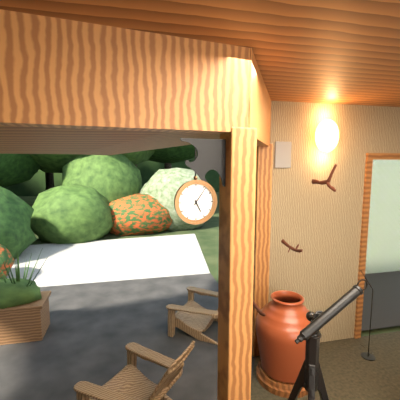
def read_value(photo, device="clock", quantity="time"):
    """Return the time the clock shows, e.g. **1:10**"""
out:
**5:06**
